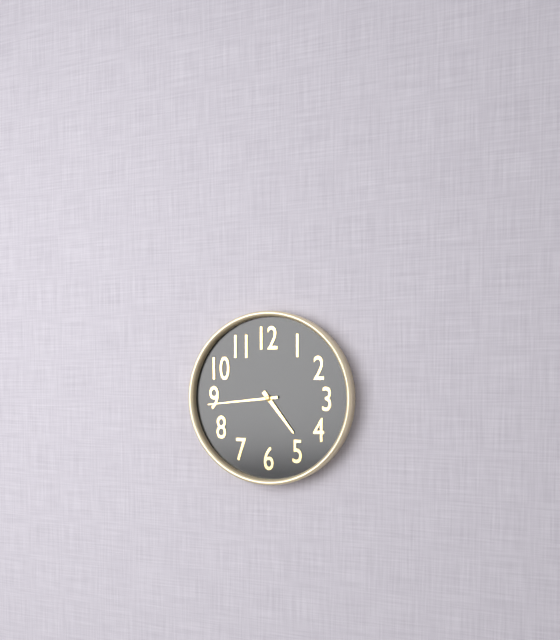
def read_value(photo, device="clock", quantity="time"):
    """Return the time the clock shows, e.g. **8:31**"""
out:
**4:44**
